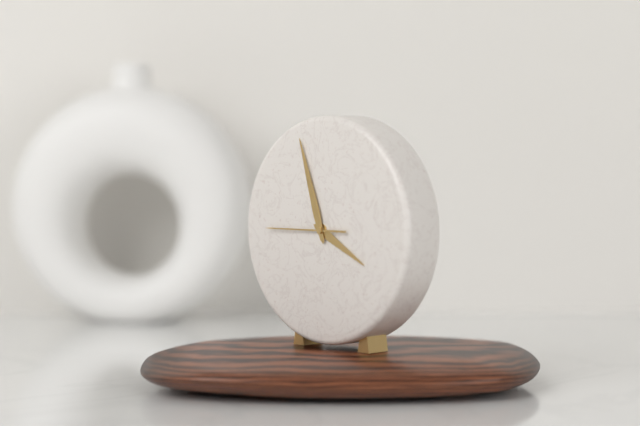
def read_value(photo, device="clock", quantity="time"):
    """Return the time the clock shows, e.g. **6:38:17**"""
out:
**3:57:45**
